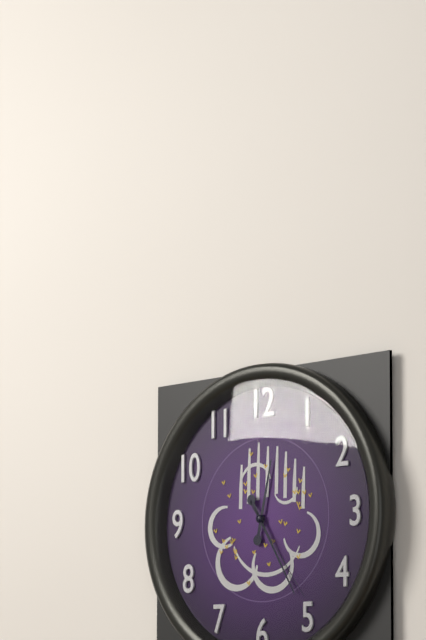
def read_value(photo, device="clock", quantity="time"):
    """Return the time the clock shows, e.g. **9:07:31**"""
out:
**12:25:24**
